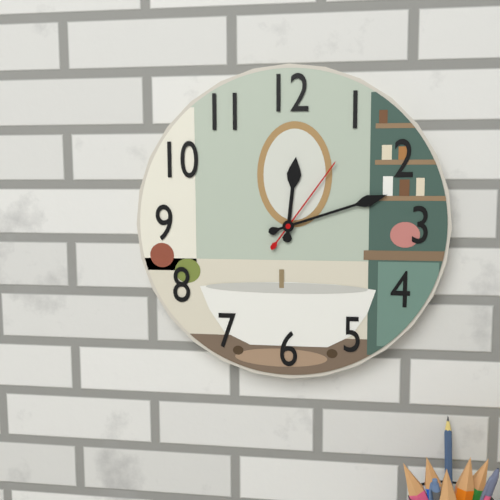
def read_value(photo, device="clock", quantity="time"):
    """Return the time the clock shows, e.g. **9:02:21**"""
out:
**12:12:06**
